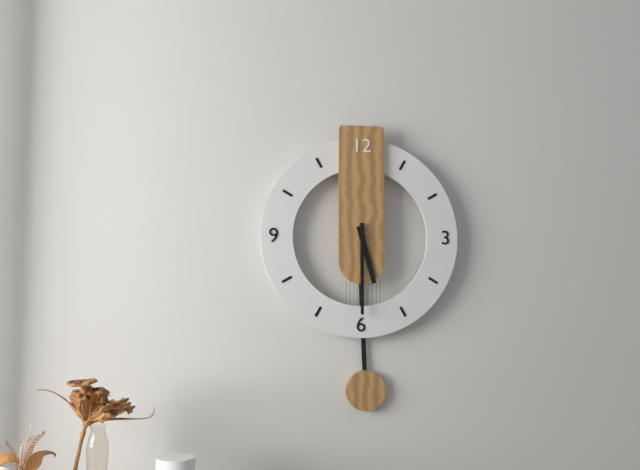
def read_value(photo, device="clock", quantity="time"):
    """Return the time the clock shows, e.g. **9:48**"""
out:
**5:30**
